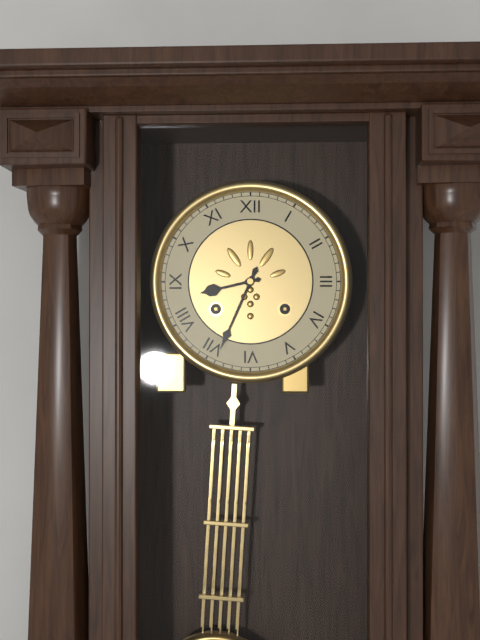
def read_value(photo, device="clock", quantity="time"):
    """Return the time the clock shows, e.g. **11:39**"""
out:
**8:34**
